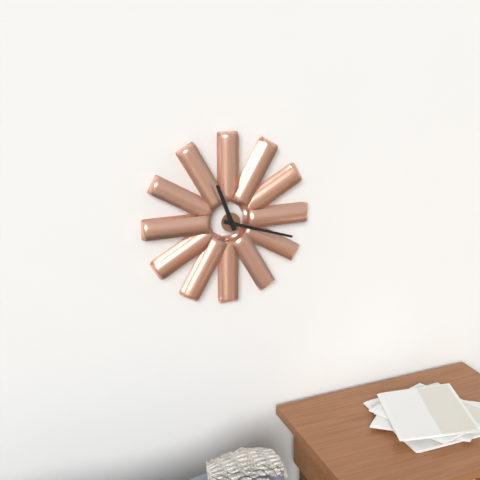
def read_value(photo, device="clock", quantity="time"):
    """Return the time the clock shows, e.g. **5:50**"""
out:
**11:18**
